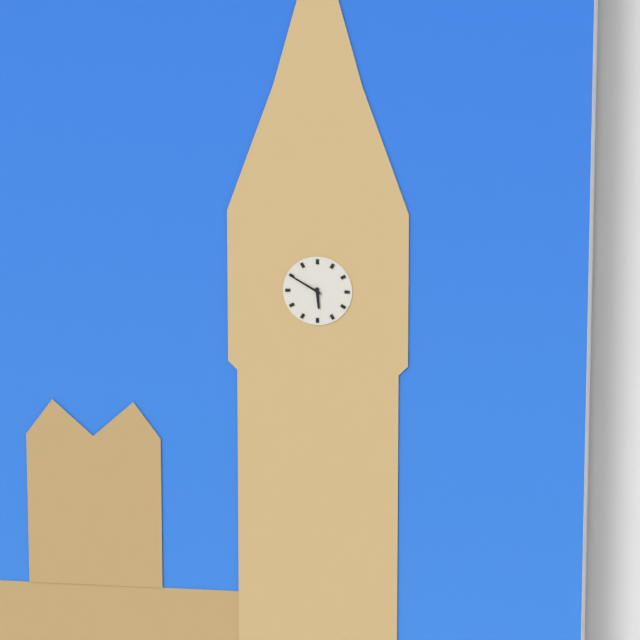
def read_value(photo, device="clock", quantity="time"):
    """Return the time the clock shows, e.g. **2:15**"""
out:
**5:50**
